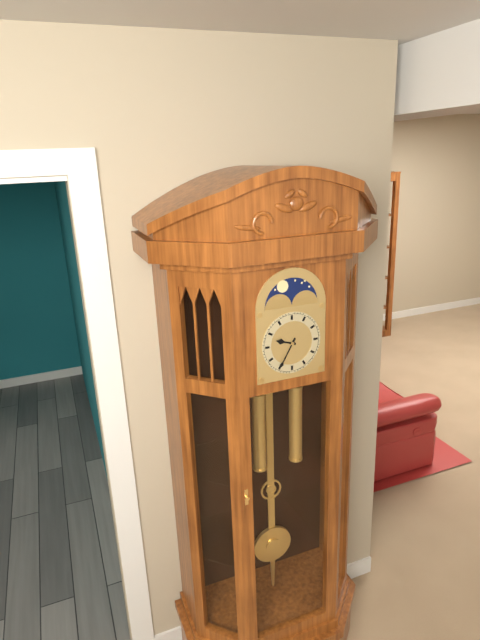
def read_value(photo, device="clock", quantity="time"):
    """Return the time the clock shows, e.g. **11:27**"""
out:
**9:35**
